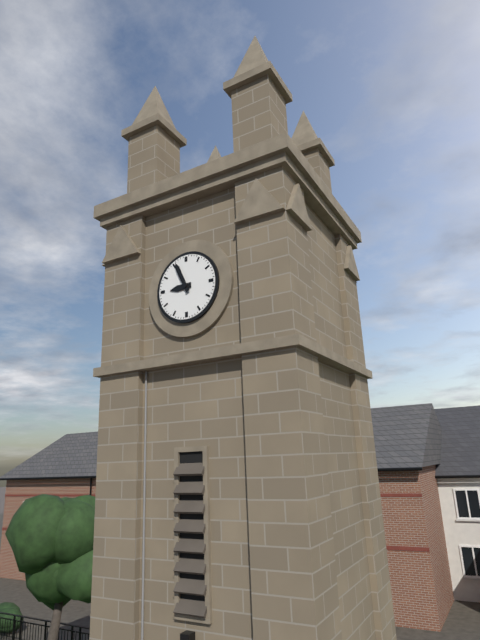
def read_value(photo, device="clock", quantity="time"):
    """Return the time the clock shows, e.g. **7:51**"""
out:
**8:56**
